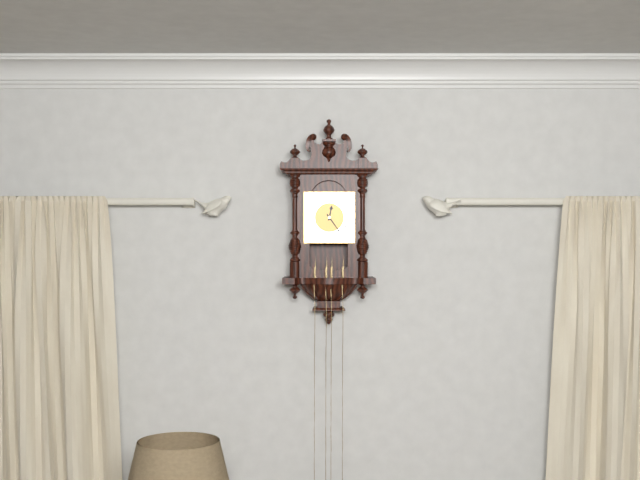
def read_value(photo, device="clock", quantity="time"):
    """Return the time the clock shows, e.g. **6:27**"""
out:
**12:24**
